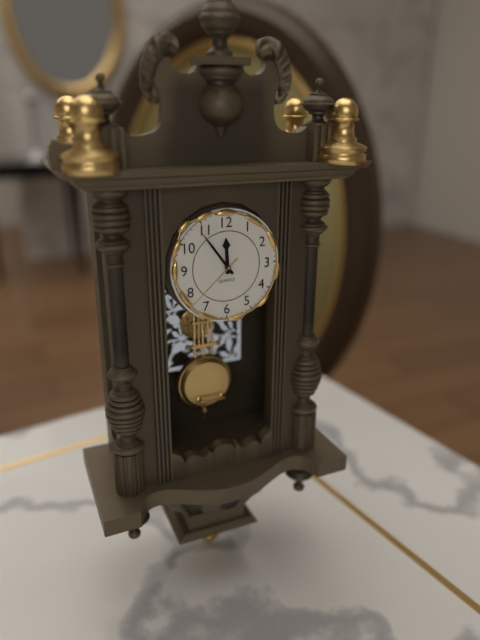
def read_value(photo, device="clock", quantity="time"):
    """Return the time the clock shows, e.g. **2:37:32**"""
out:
**11:54:38**
